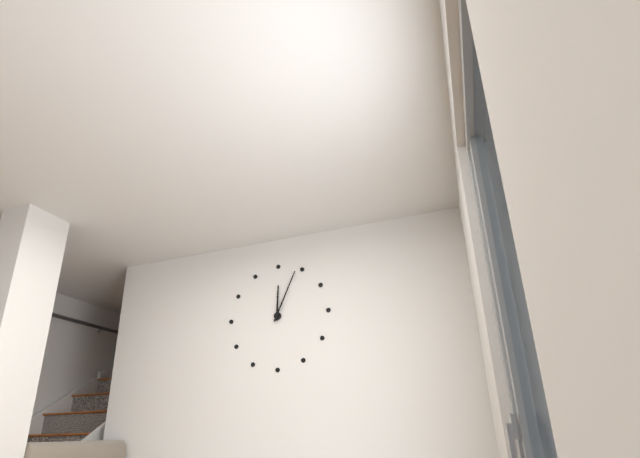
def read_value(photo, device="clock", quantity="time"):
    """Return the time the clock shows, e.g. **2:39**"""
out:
**12:04**
